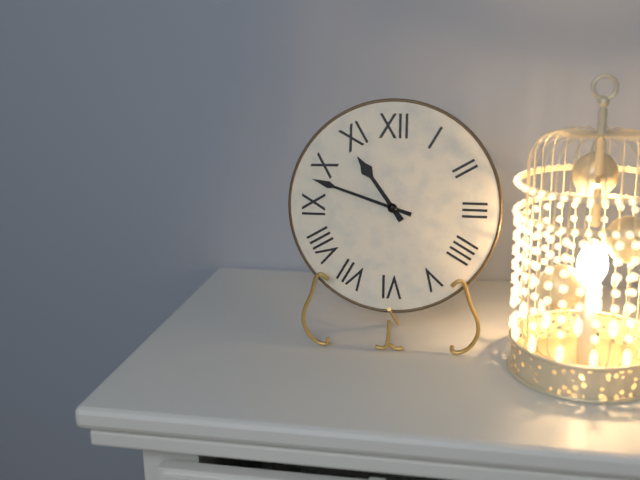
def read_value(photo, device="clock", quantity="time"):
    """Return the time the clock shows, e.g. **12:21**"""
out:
**10:48**
